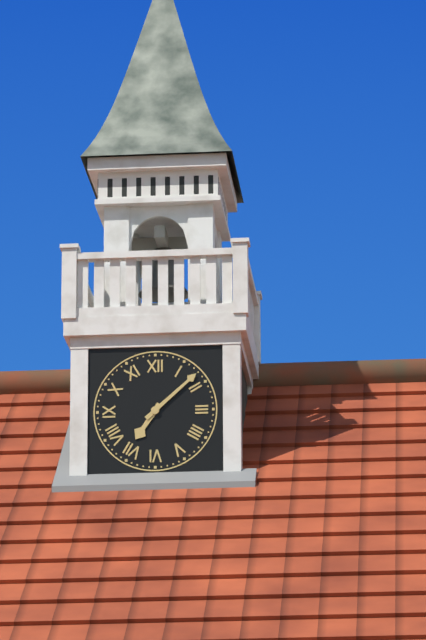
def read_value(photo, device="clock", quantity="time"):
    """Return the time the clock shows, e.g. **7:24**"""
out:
**7:08**
